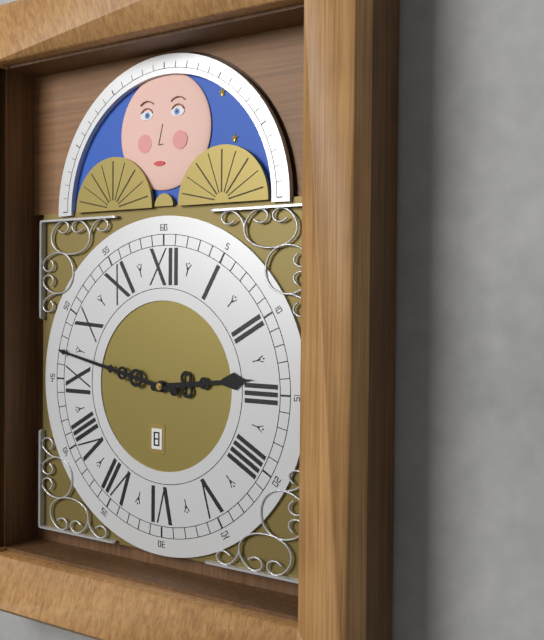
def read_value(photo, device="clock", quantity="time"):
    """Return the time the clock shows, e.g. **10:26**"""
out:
**2:47**
